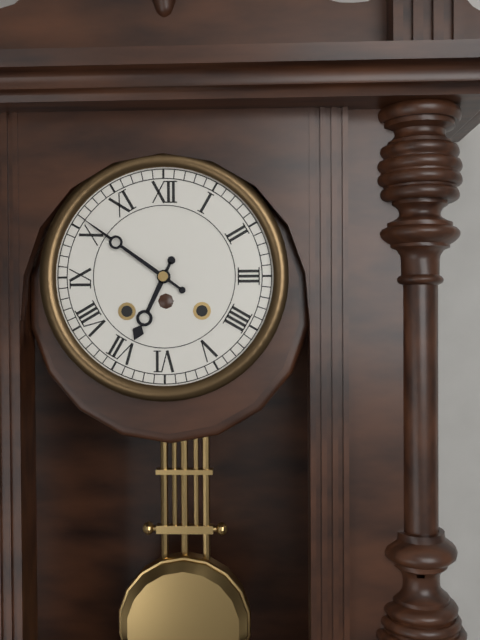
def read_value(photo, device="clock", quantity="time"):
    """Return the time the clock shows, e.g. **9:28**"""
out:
**6:51**
